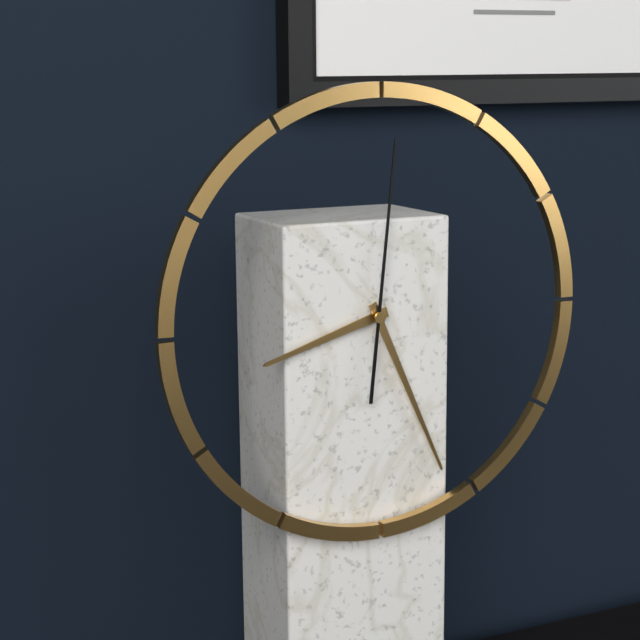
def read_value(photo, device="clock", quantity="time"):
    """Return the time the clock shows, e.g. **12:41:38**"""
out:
**8:26:01**
